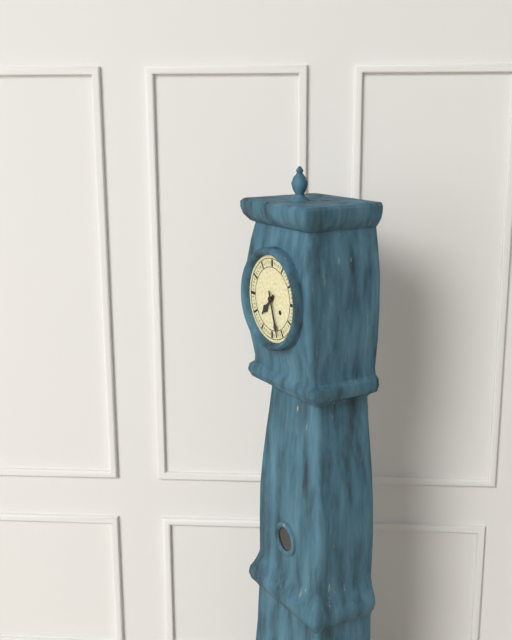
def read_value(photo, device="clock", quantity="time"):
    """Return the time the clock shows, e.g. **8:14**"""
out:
**7:27**
